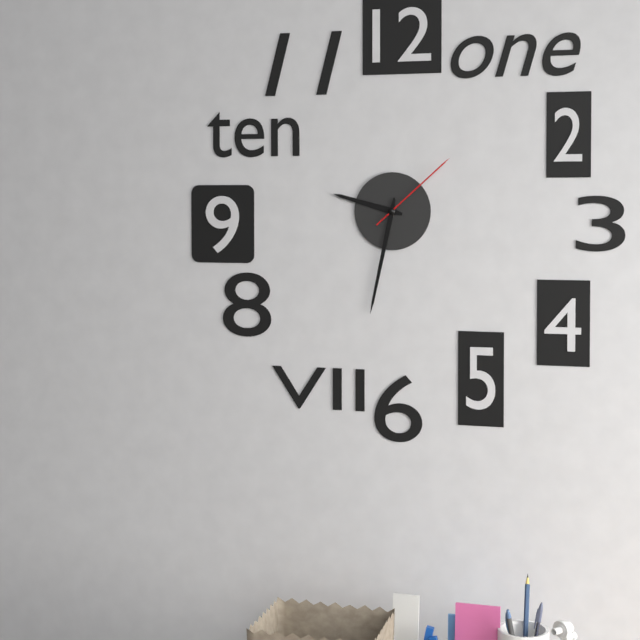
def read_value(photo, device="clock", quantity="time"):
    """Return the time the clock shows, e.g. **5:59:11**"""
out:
**9:32:08**
